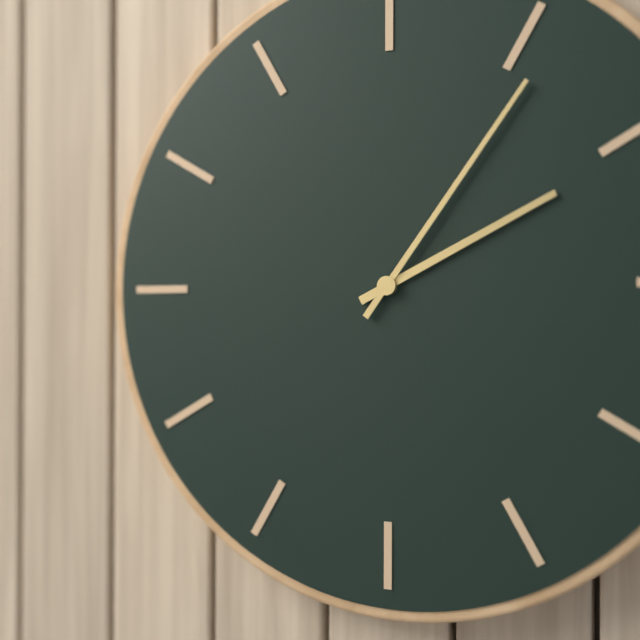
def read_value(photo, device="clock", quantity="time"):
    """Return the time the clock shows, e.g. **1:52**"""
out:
**2:06**
